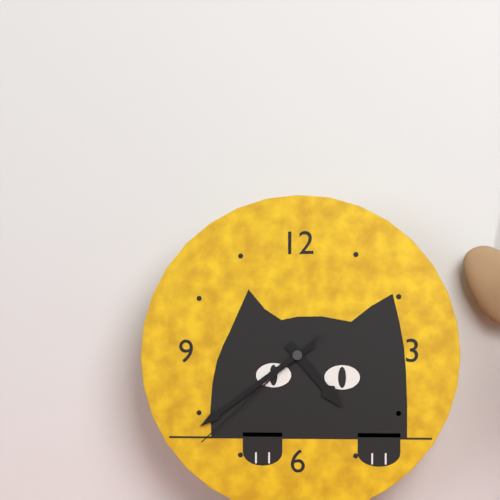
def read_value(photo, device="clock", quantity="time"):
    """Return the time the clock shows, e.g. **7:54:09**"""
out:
**4:39:38**
